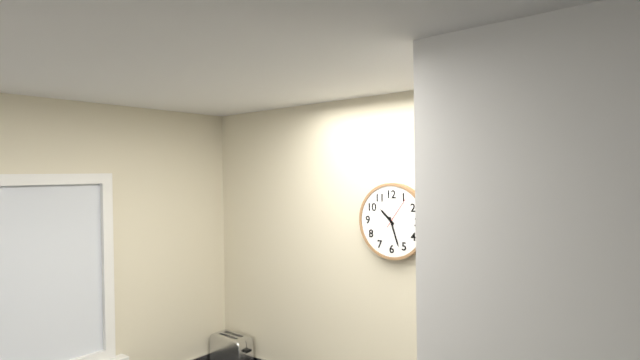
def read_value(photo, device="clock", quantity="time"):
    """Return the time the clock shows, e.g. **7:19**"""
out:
**10:27**
